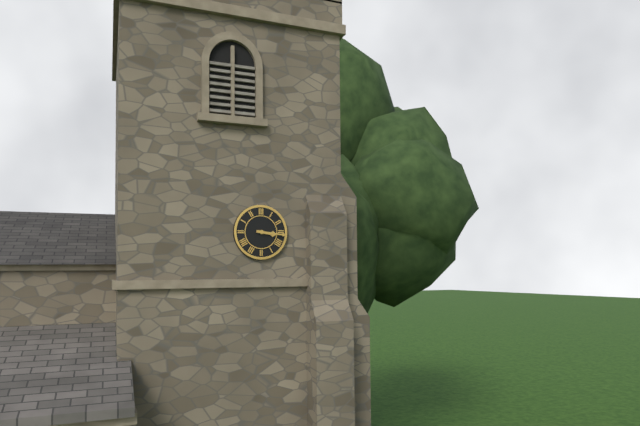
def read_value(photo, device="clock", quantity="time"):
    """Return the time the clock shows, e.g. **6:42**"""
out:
**3:16**
